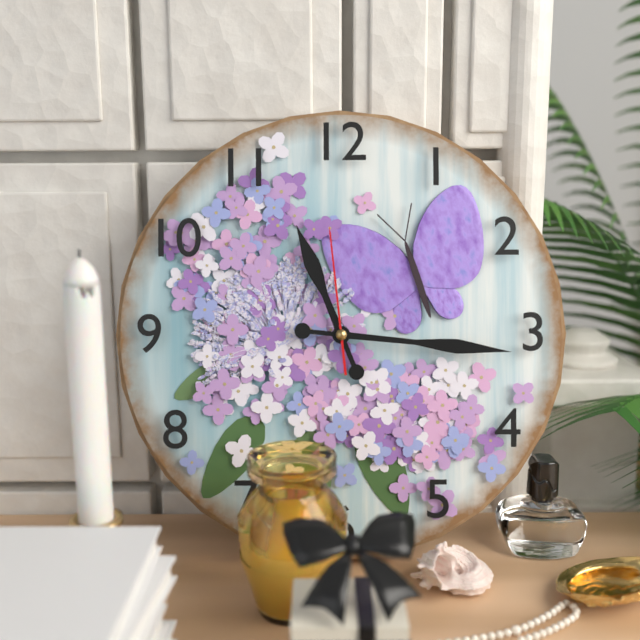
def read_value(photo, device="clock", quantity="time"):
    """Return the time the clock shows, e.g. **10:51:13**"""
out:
**11:16:59**
